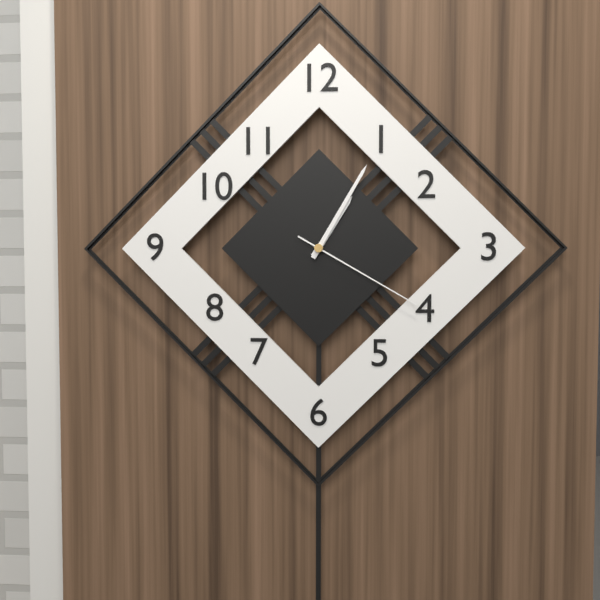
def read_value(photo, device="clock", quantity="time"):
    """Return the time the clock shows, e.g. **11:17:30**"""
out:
**1:05:20**
